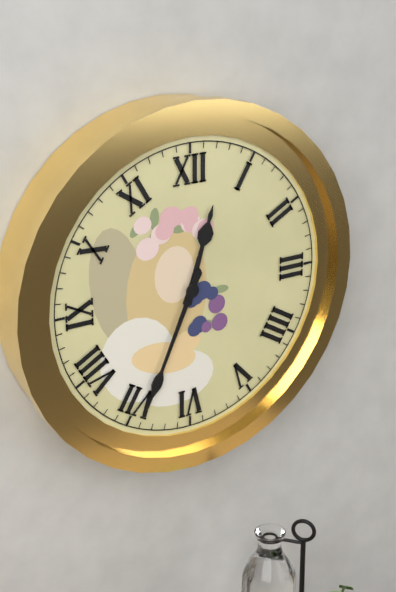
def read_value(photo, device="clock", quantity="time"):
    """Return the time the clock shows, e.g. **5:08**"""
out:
**12:34**
